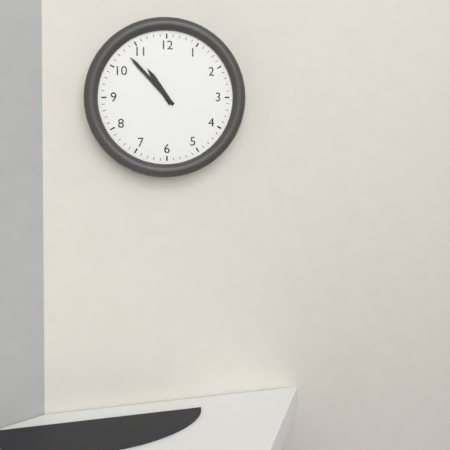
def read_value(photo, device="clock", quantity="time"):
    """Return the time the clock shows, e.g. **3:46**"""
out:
**10:53**
